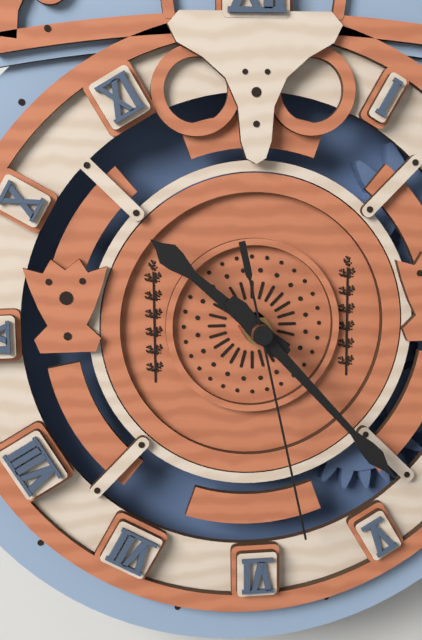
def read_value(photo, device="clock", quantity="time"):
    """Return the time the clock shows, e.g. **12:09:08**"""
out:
**10:23:28**
